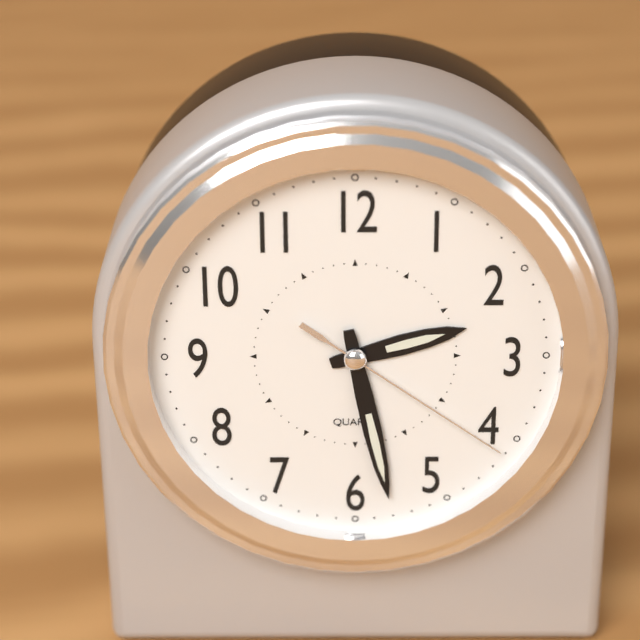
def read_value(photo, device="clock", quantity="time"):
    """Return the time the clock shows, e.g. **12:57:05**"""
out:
**2:28:21**
